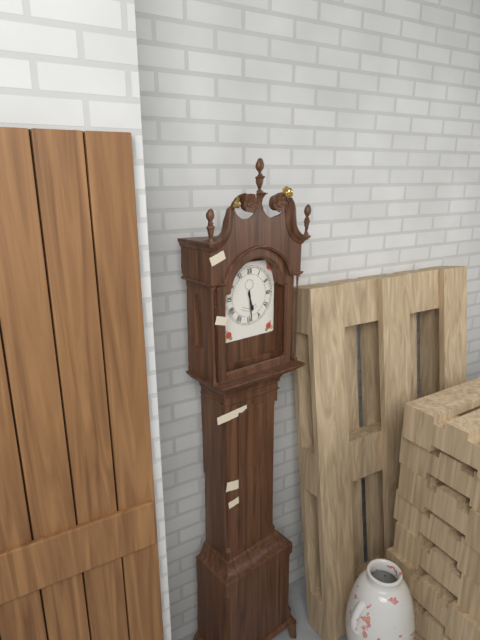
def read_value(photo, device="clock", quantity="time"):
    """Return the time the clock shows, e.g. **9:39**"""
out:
**5:29**
